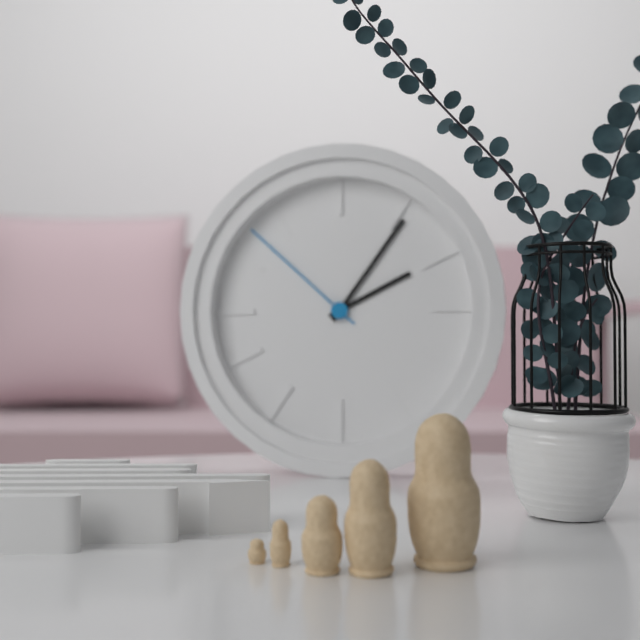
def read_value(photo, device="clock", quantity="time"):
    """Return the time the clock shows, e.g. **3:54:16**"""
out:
**2:06:52**
